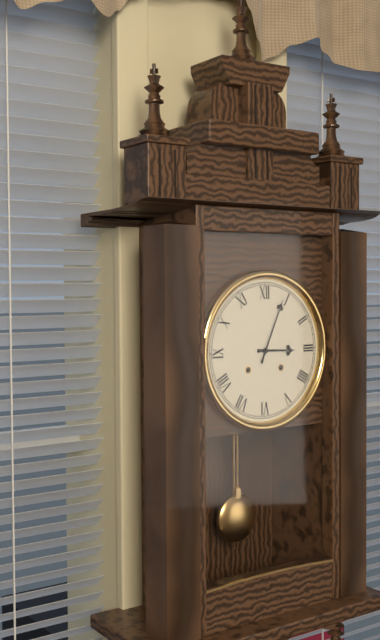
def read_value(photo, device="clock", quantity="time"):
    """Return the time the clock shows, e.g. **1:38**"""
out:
**3:04**
